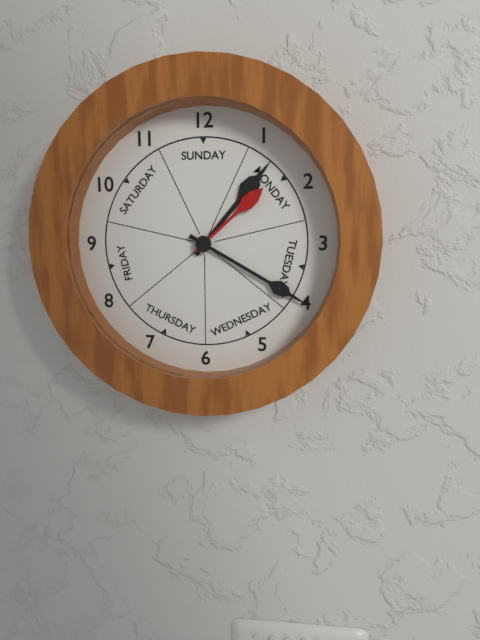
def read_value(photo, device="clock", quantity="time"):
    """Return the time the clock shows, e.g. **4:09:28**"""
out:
**1:20:08**
